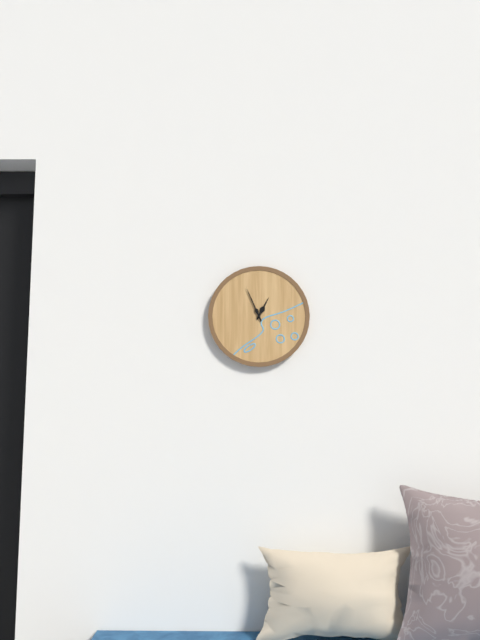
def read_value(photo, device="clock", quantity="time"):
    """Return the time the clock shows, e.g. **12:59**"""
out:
**12:56**
